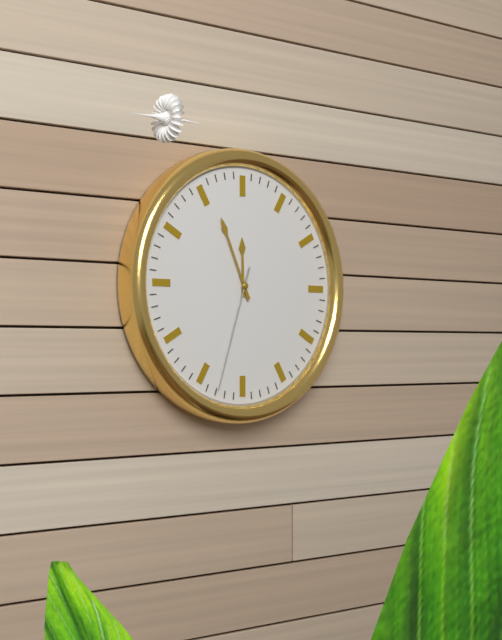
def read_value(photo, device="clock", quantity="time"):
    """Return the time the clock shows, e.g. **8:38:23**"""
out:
**11:56:33**
